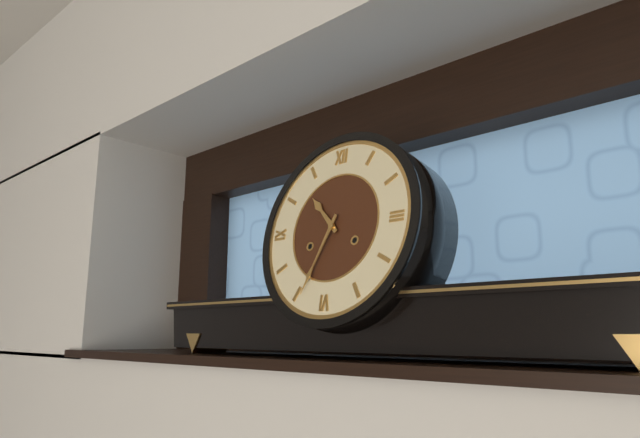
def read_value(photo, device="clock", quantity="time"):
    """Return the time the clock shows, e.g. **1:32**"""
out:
**10:34**
